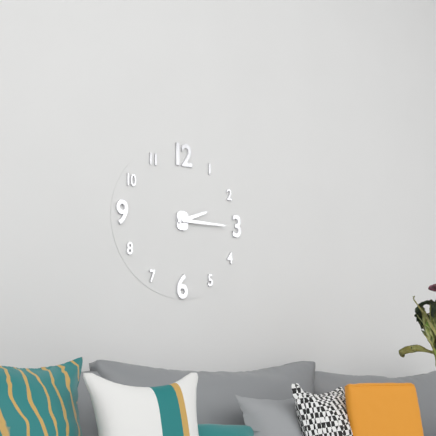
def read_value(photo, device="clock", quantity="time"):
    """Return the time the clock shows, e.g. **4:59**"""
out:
**2:15**
